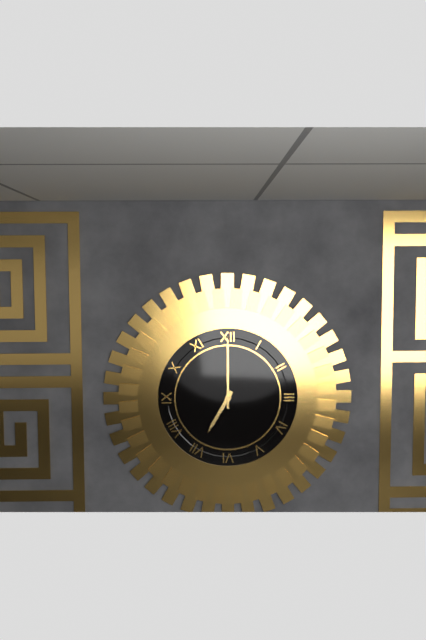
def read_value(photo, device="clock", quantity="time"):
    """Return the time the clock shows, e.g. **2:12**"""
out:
**7:00**
